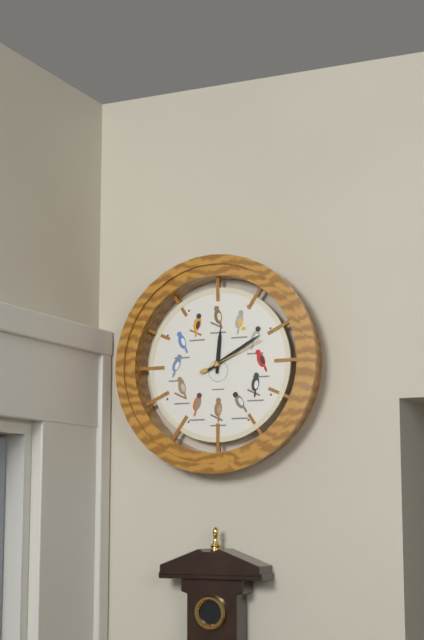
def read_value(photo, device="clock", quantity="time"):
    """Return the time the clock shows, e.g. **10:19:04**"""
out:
**12:10:11**
